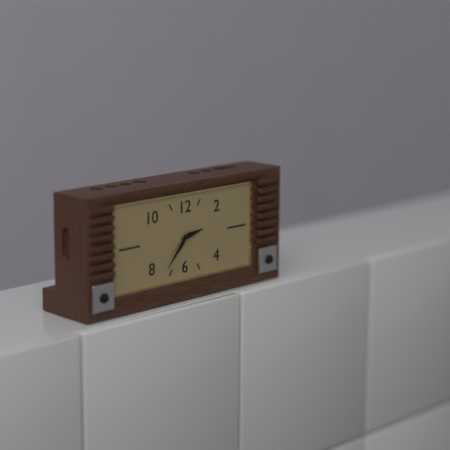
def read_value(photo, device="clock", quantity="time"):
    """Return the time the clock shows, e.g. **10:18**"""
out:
**2:37**
